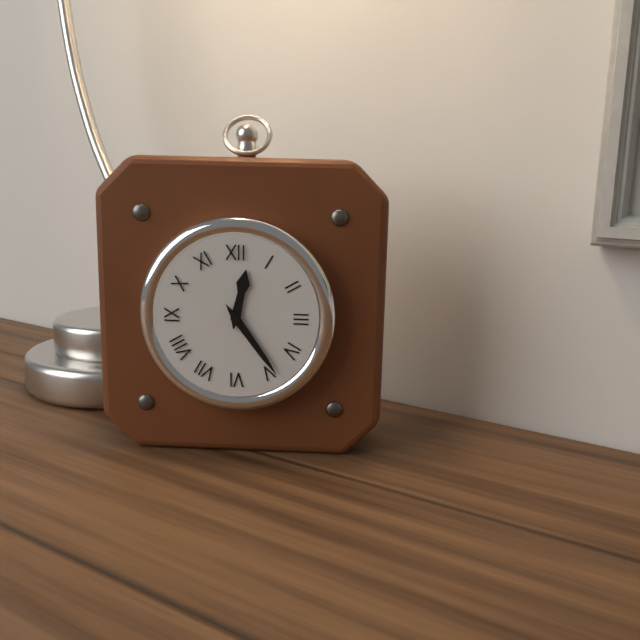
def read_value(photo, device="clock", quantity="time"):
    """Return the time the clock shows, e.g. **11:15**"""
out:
**12:24**
